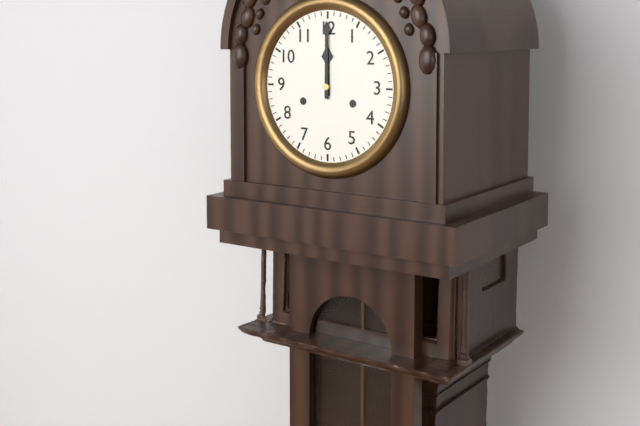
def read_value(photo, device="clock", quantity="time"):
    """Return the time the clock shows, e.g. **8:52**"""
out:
**12:00**
